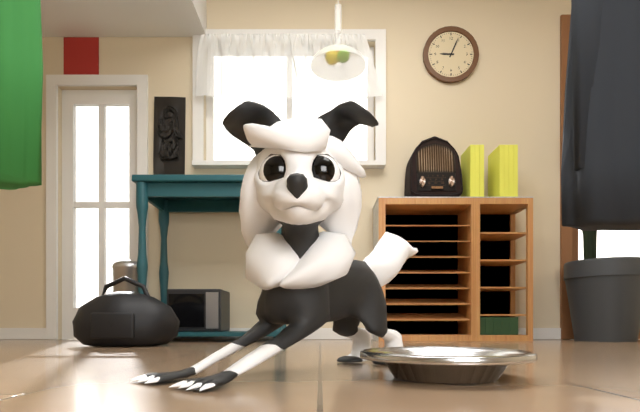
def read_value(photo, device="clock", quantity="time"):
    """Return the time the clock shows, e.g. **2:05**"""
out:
**9:04**
